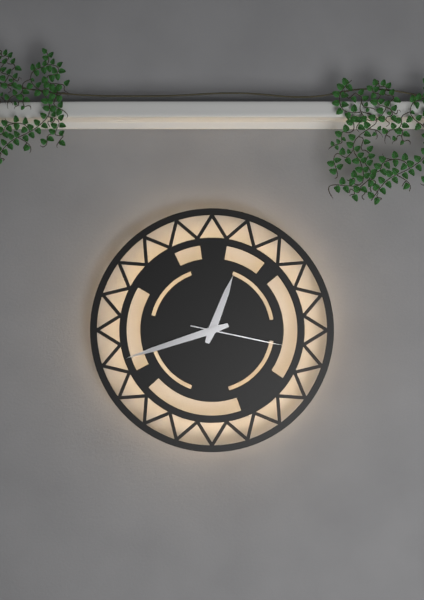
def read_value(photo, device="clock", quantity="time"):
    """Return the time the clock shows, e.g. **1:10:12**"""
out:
**12:42:17**
